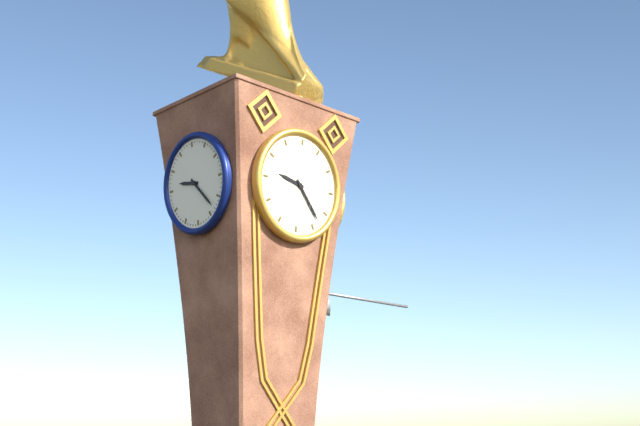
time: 9:23
